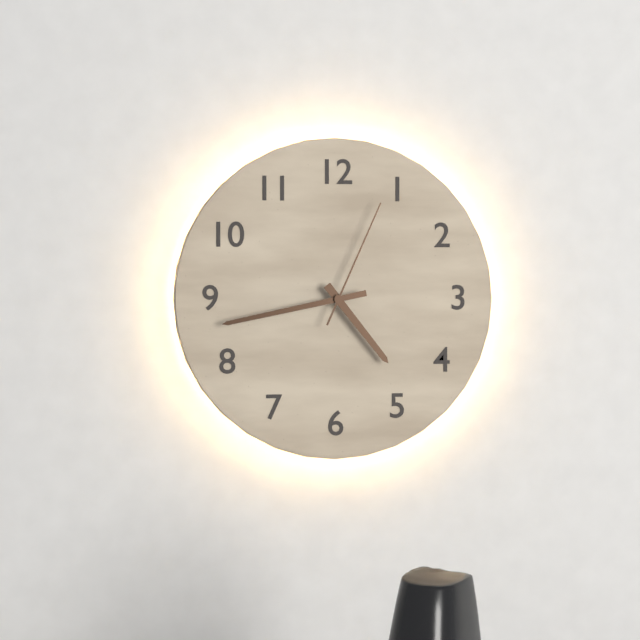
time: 4:43:04
